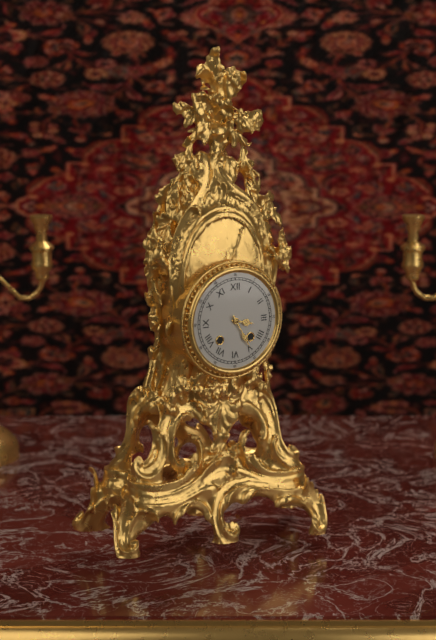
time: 3:25
